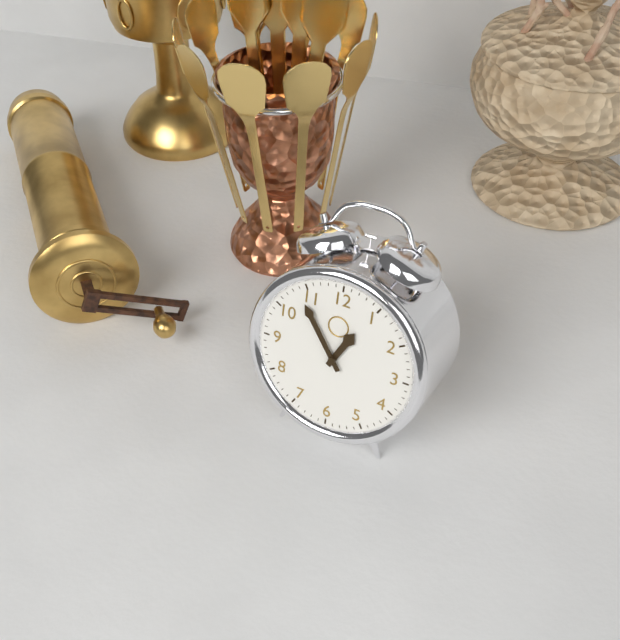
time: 12:54
